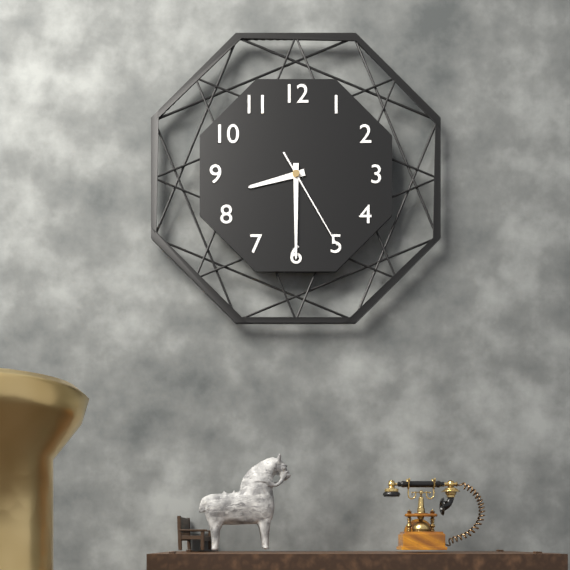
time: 8:30:25
